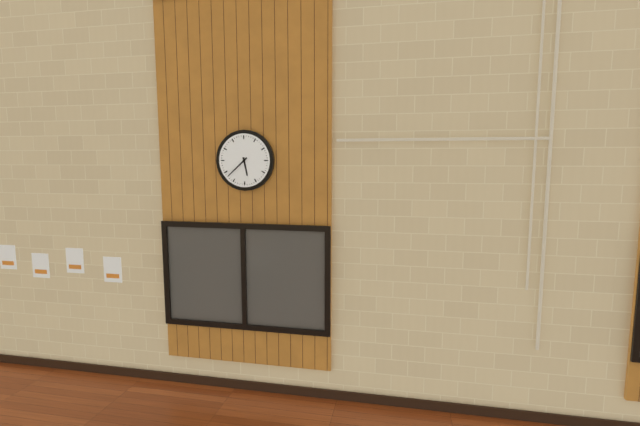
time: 5:38
